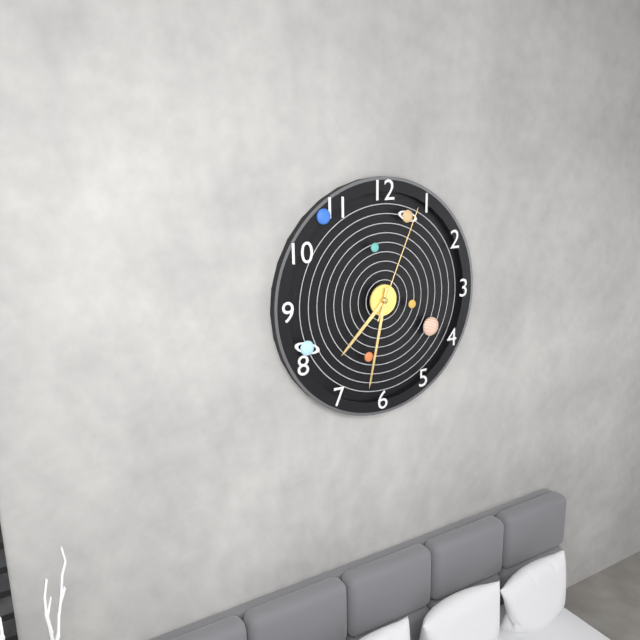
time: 7:32:04
